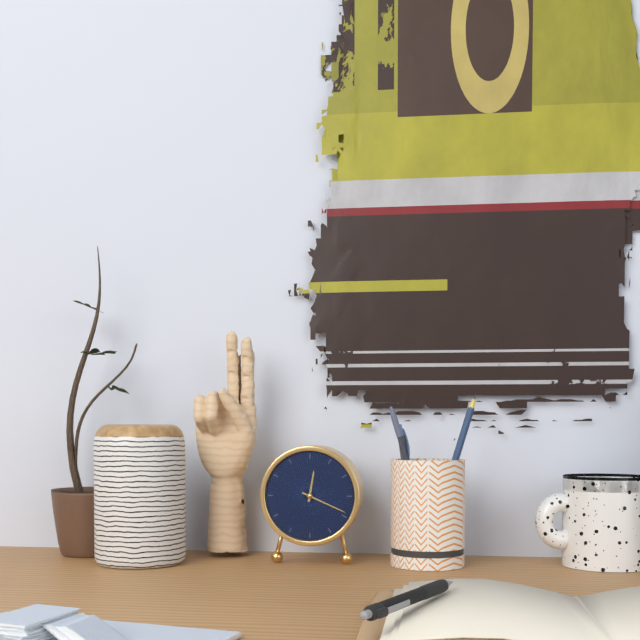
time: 12:19
